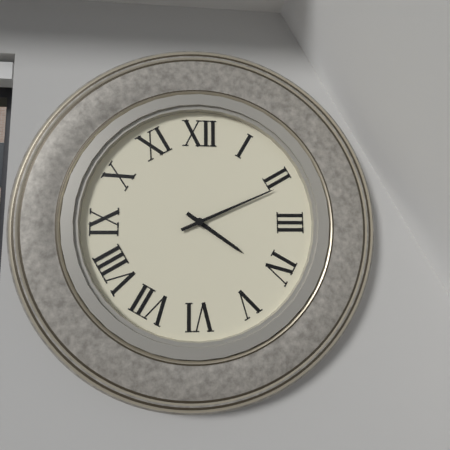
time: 4:11
